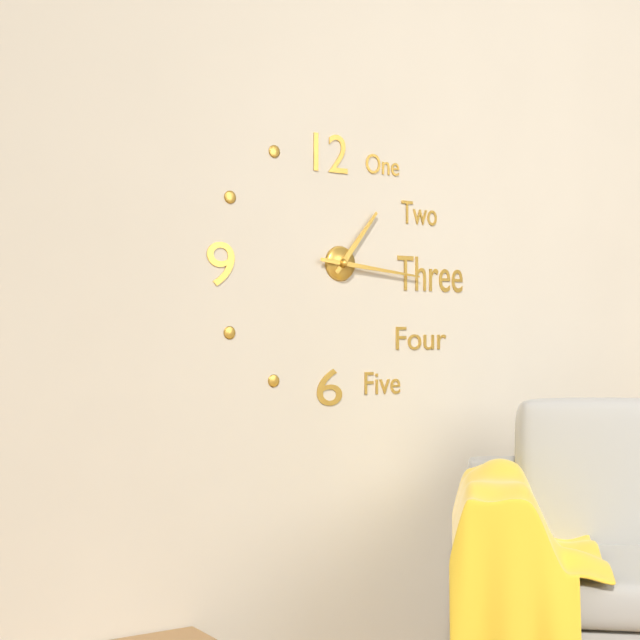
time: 1:16
